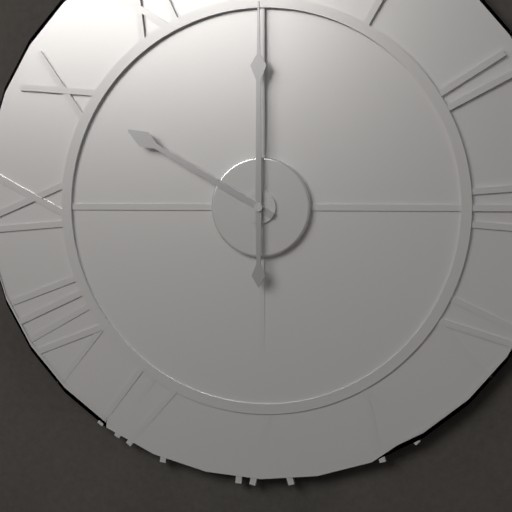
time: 10:00
